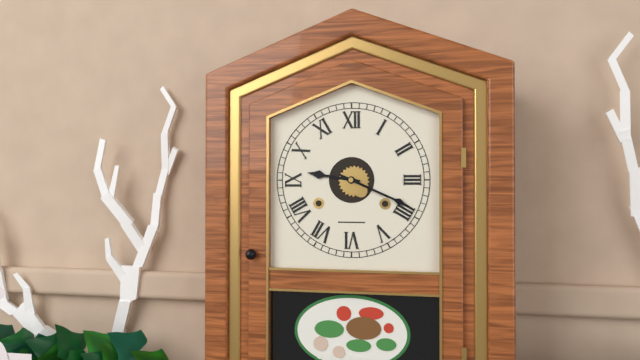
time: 9:19
